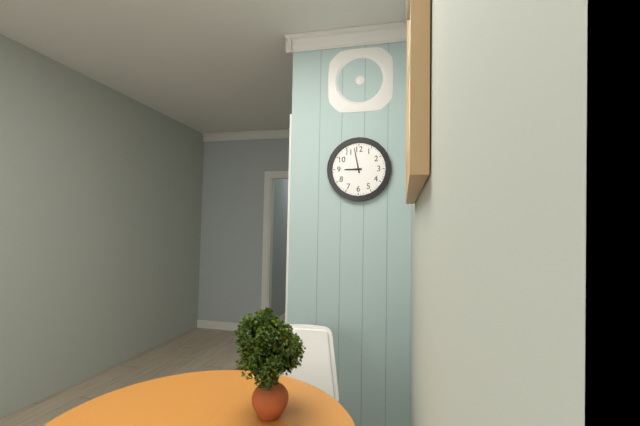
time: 8:58
